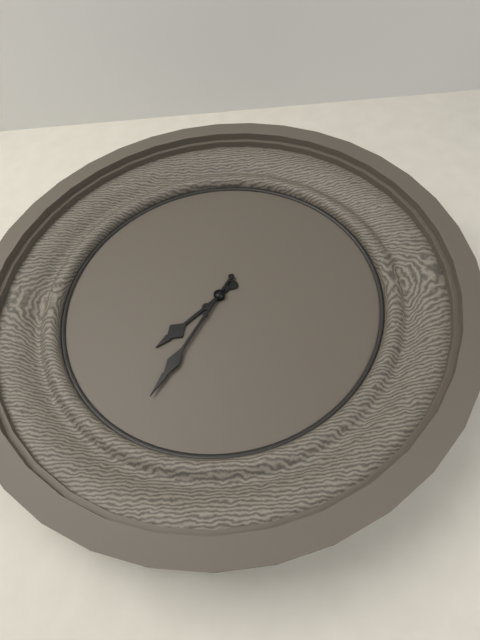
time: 7:35
